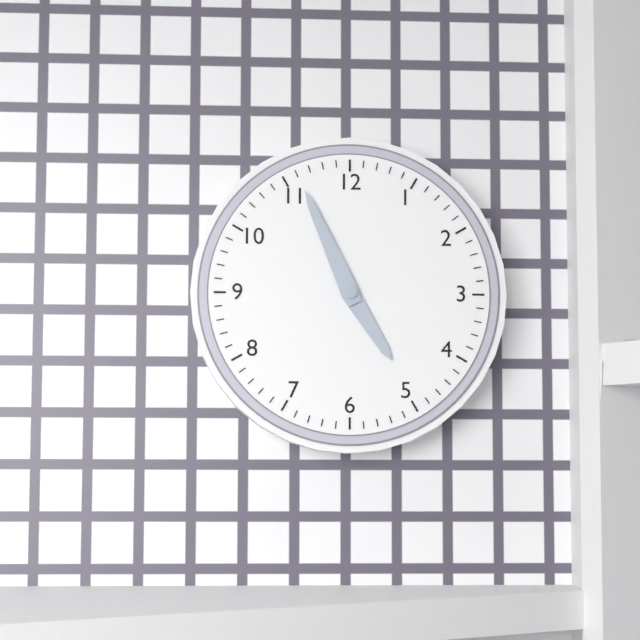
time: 4:56
